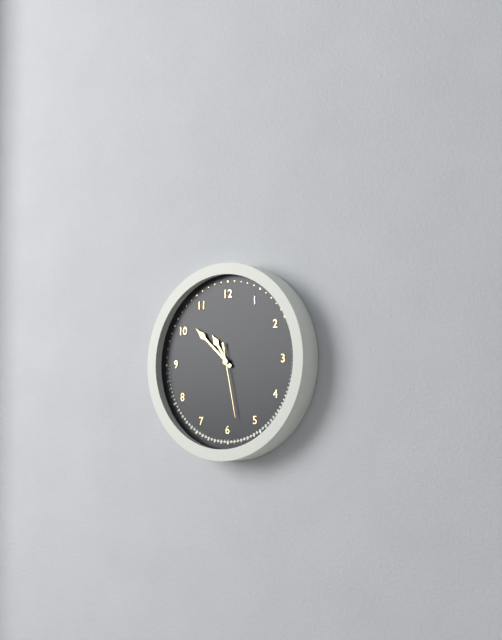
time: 10:52:28
